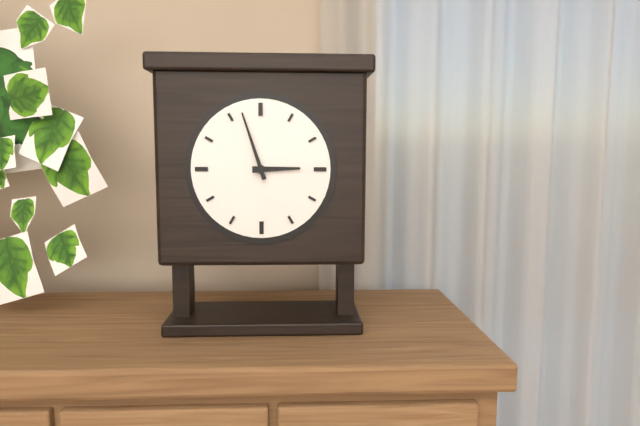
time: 2:57
